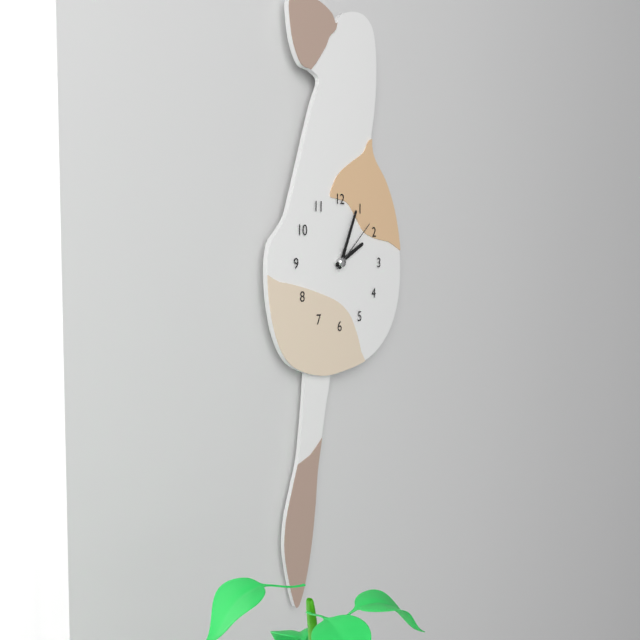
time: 2:04:08
